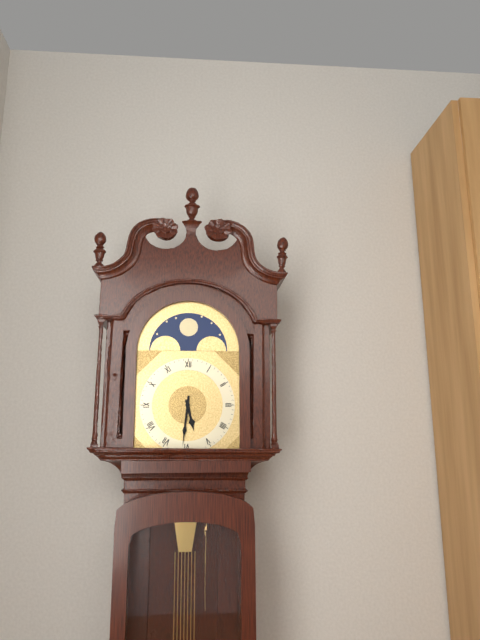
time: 5:31
